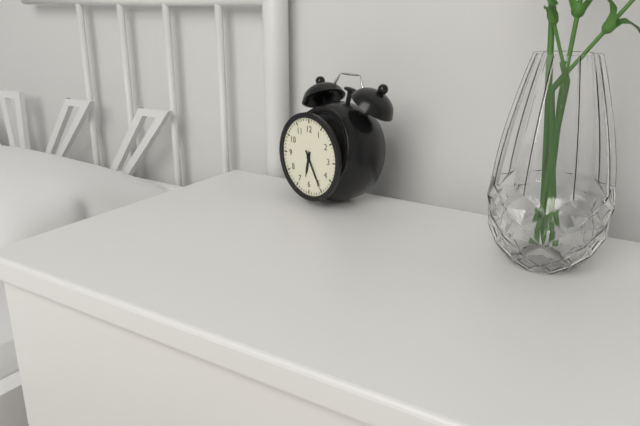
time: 6:25
